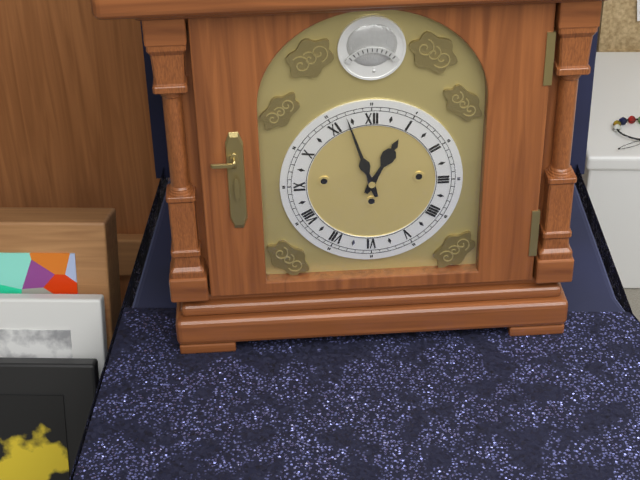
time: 12:57
